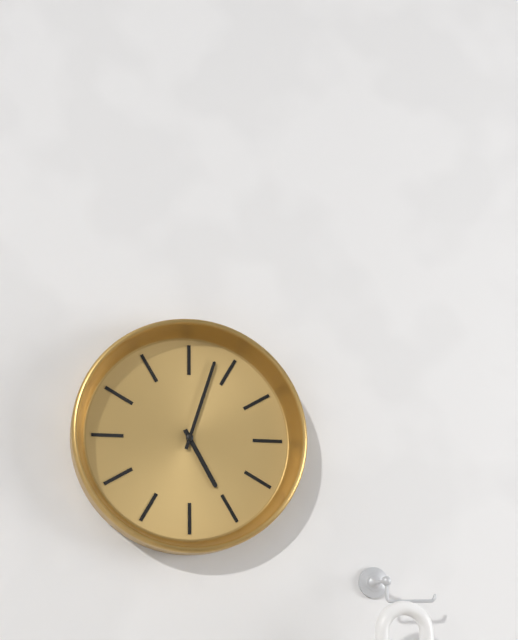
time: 5:03
